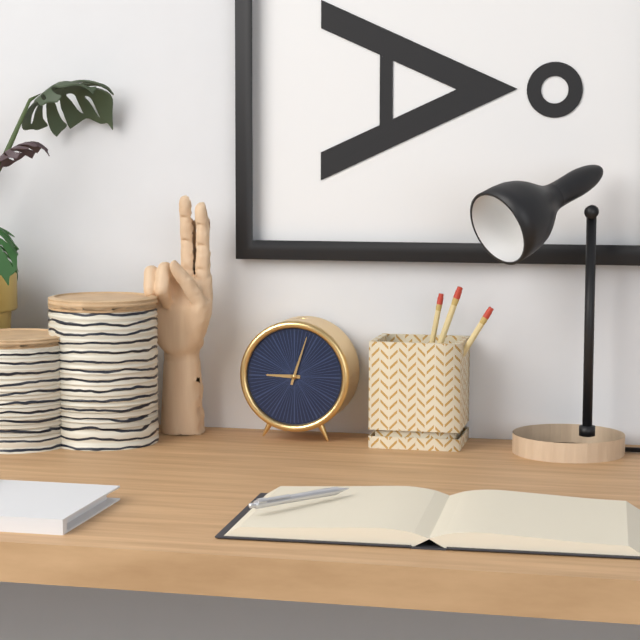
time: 9:03
